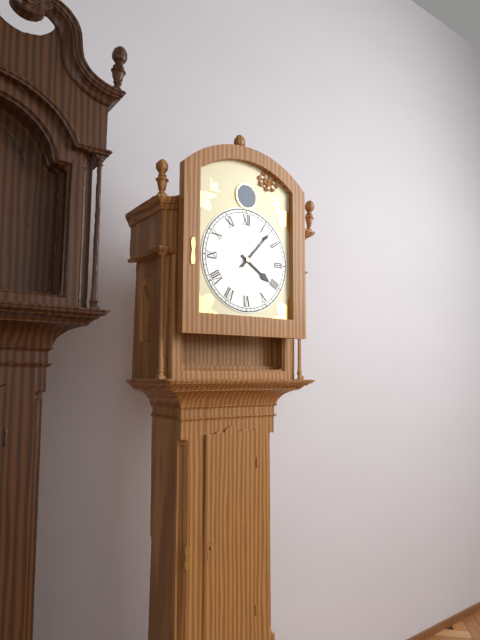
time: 4:07
